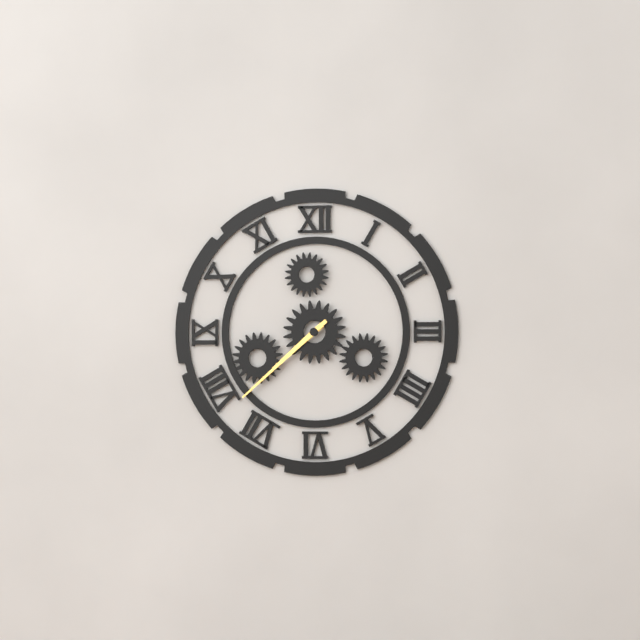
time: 7:38
